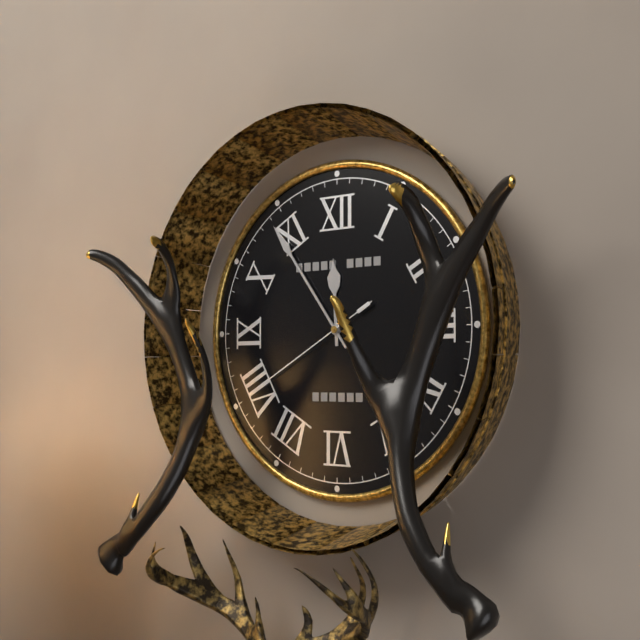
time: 11:54:40
